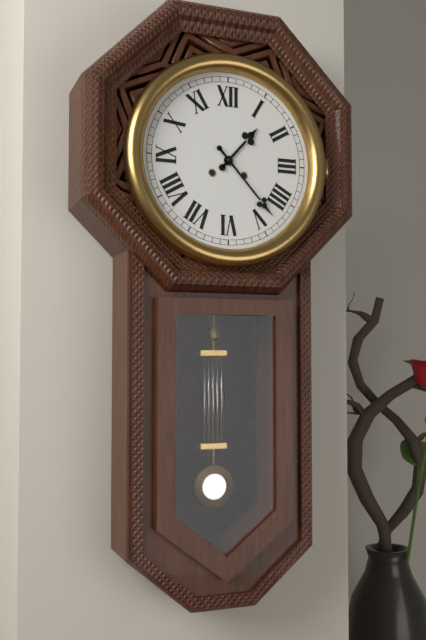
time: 1:23
